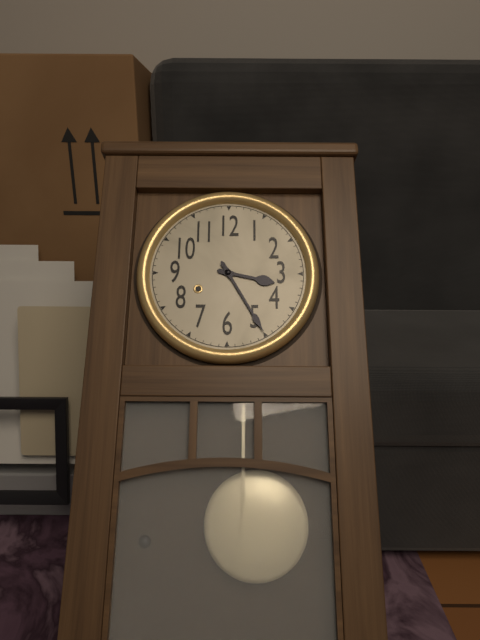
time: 3:25
